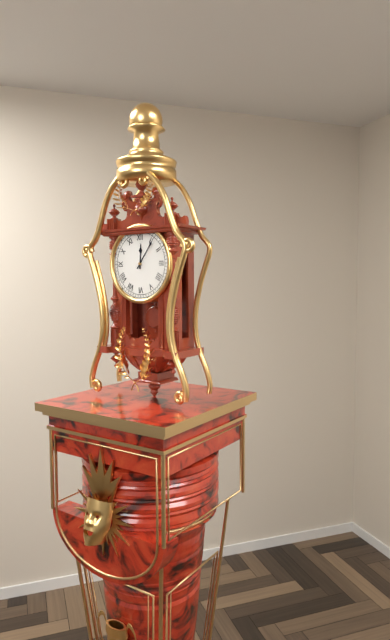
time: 12:06
